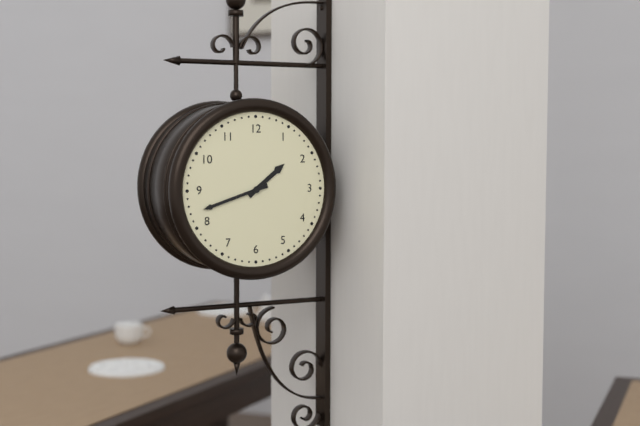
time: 1:42
